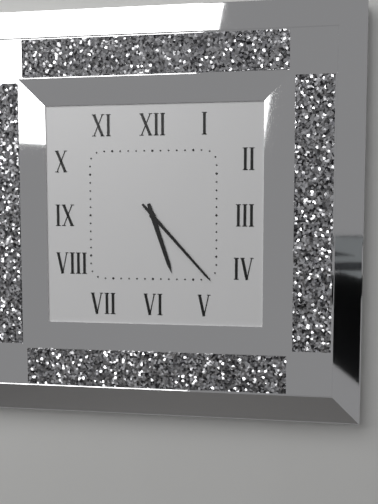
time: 5:23
